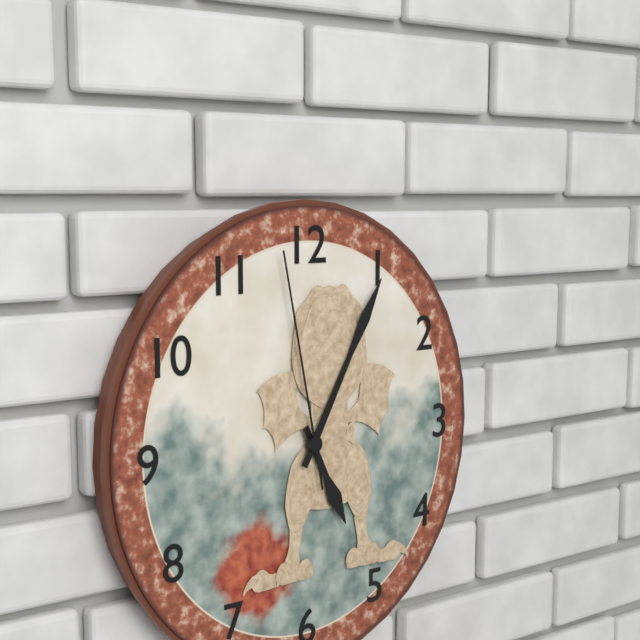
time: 5:05:58
